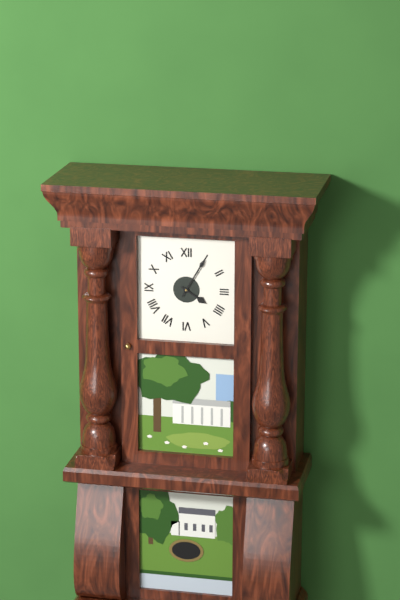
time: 4:05
